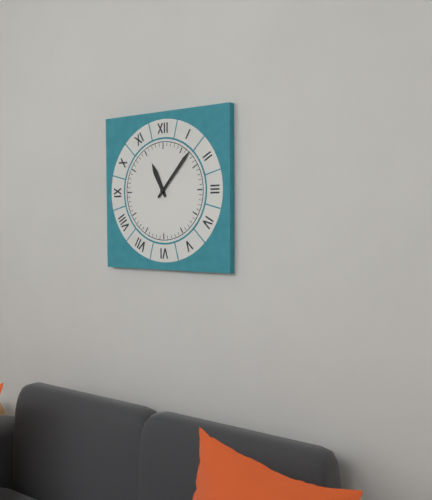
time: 11:07
